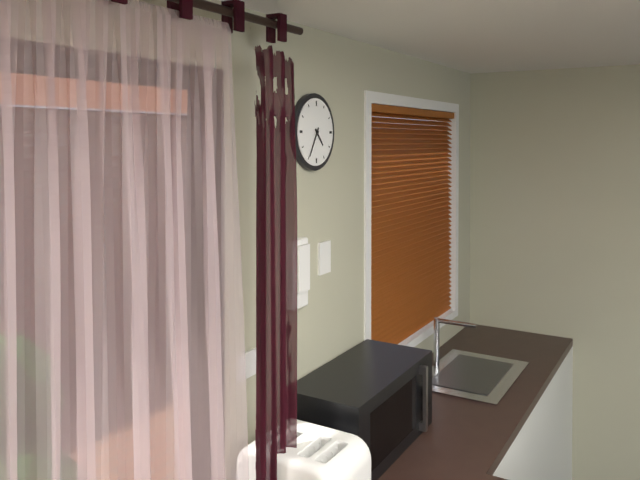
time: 4:35
